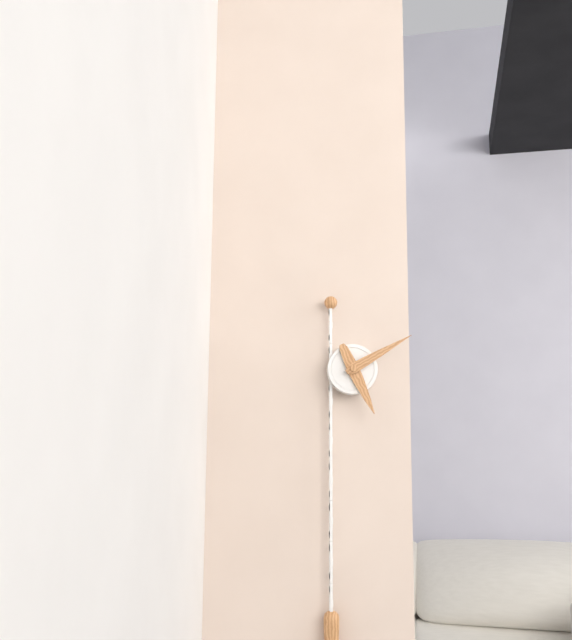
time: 5:10
